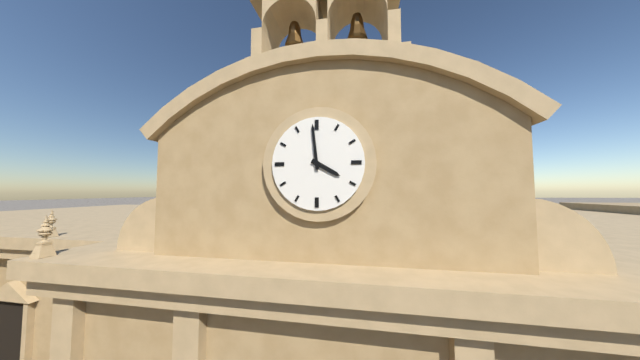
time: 3:59
